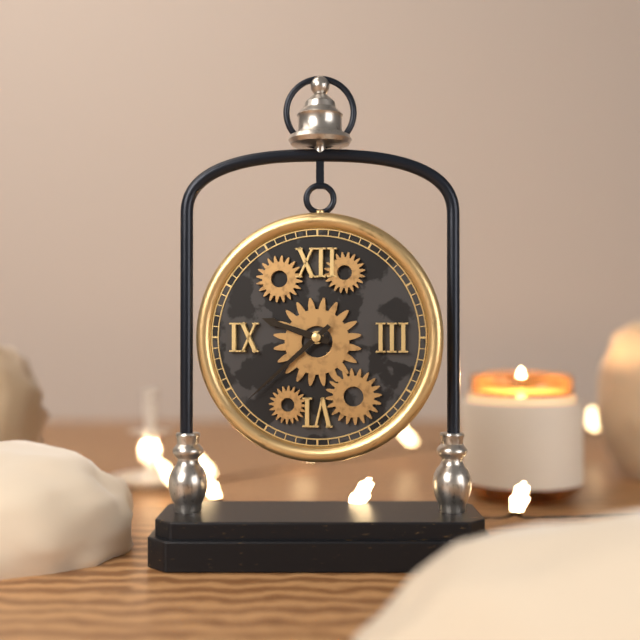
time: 9:38
